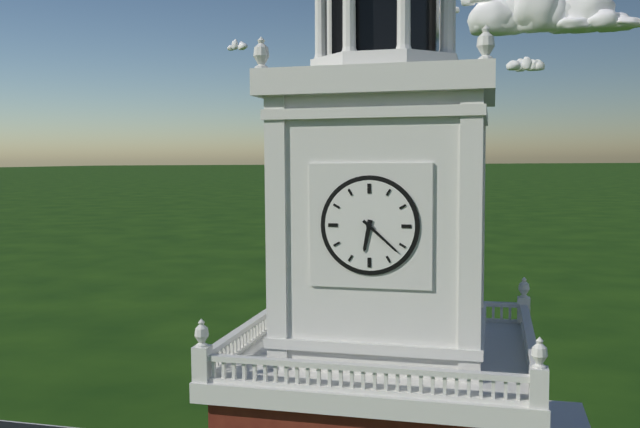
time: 6:22
